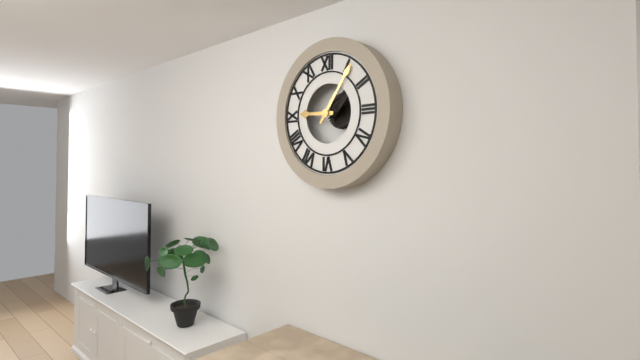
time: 9:06
